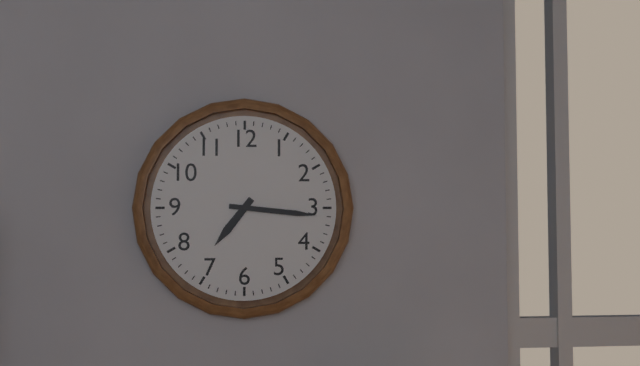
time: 7:16
